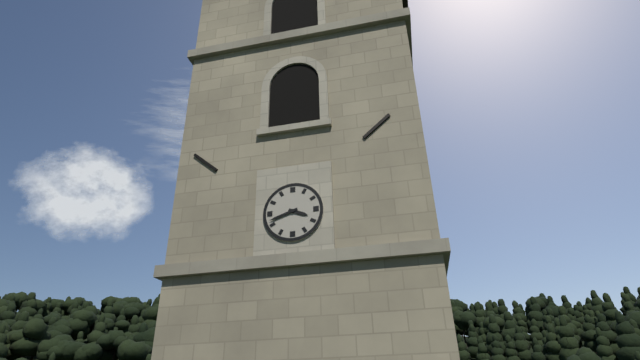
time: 3:42
